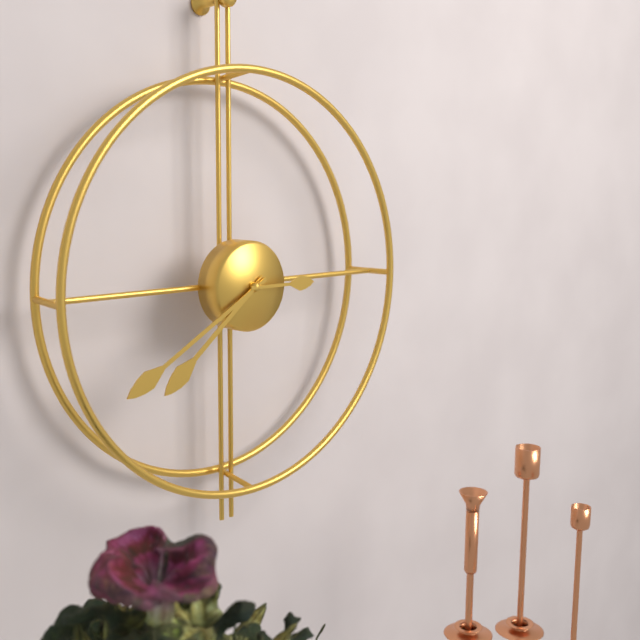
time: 7:40:15
